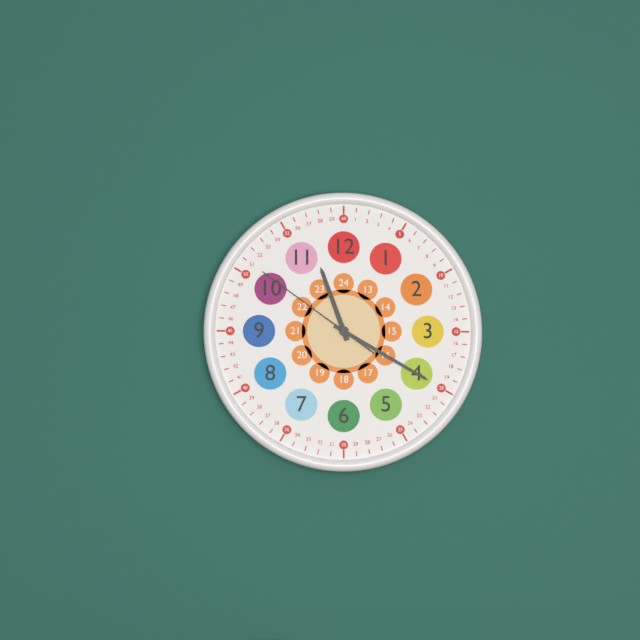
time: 11:20:51
